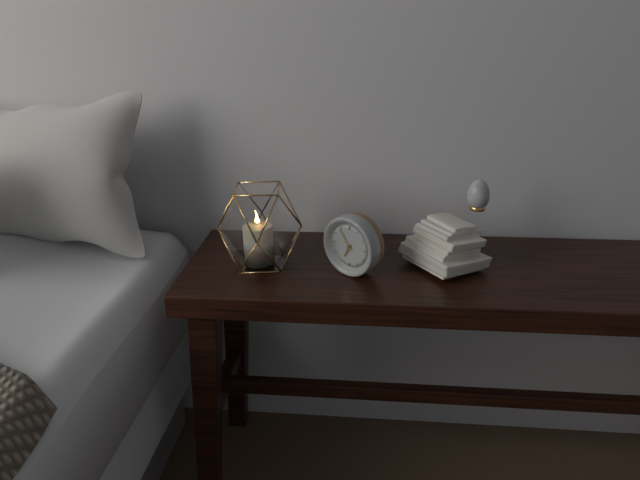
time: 6:54
